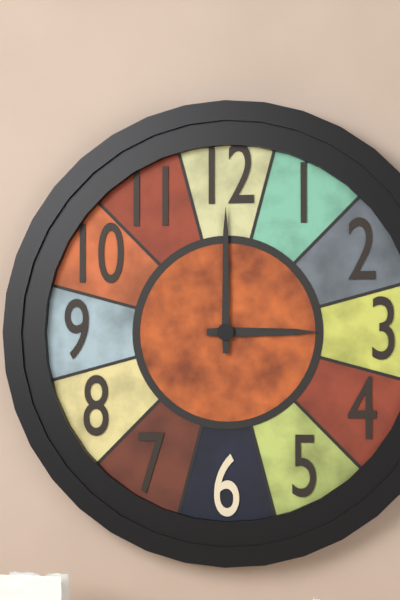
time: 3:00
